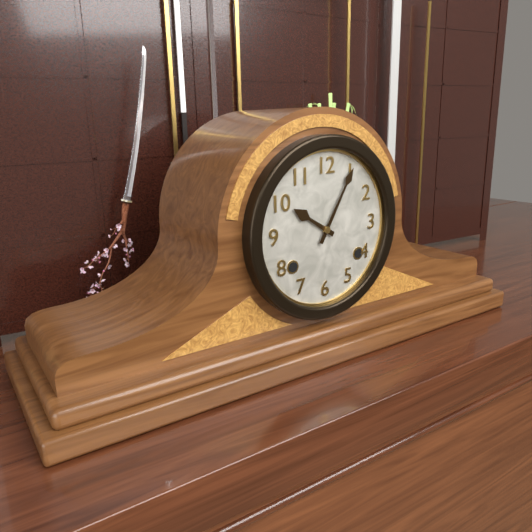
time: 10:05
